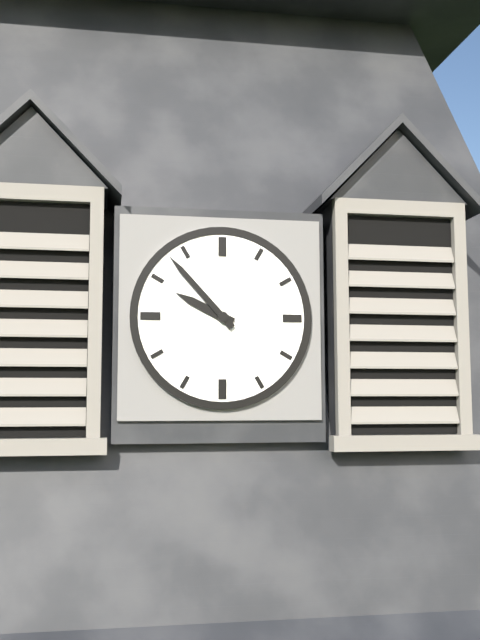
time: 9:53
